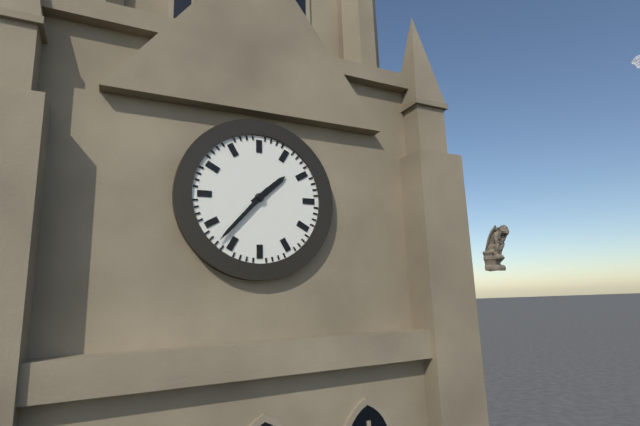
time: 1:37
